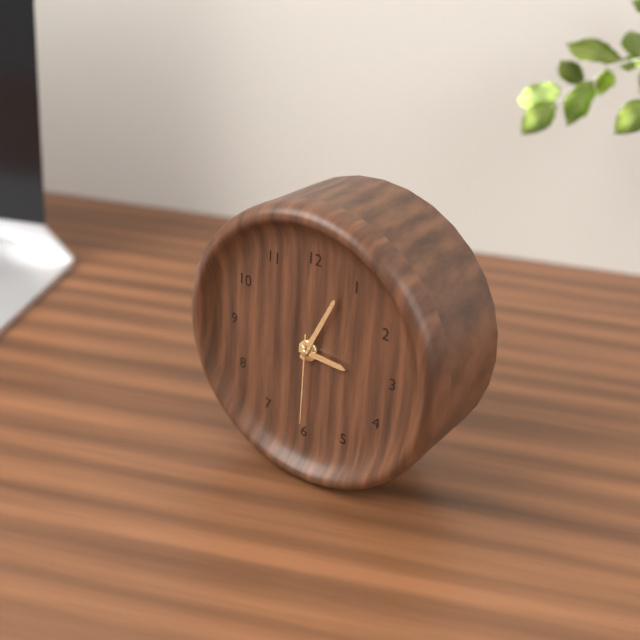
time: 3:04:30
